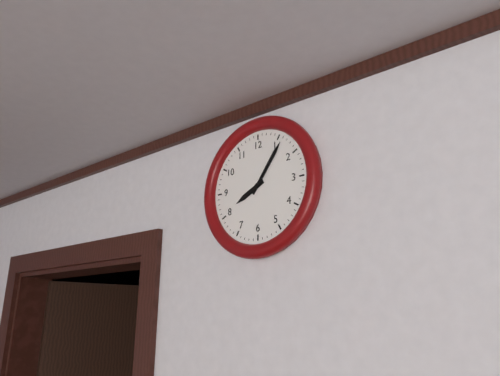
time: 8:06
